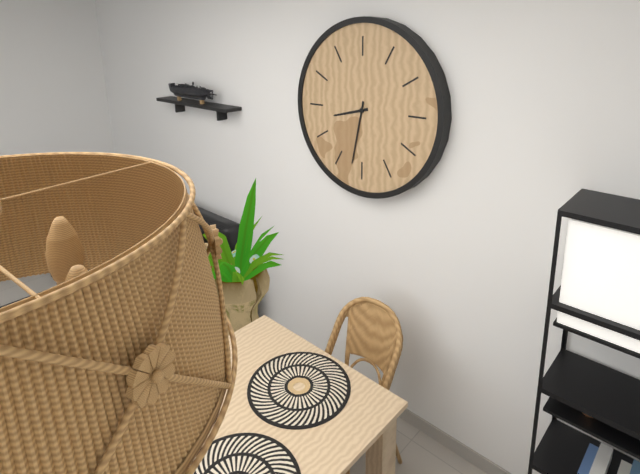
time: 8:32
